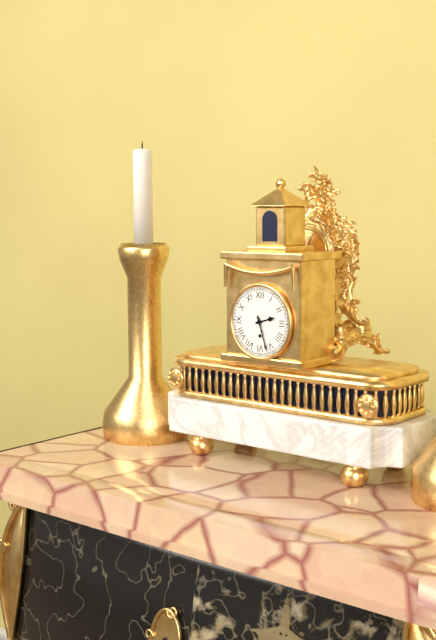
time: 2:27
